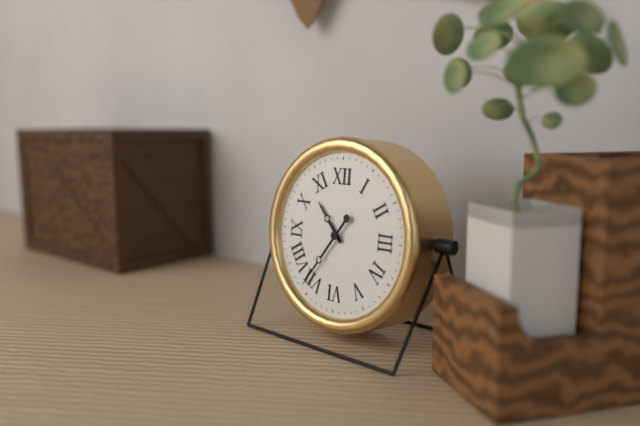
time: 10:36
